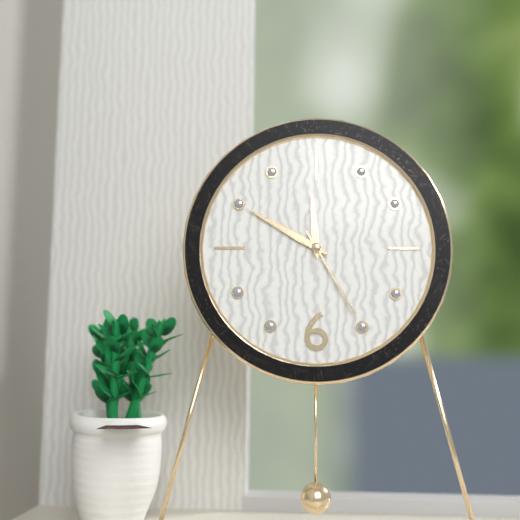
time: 11:50:25
